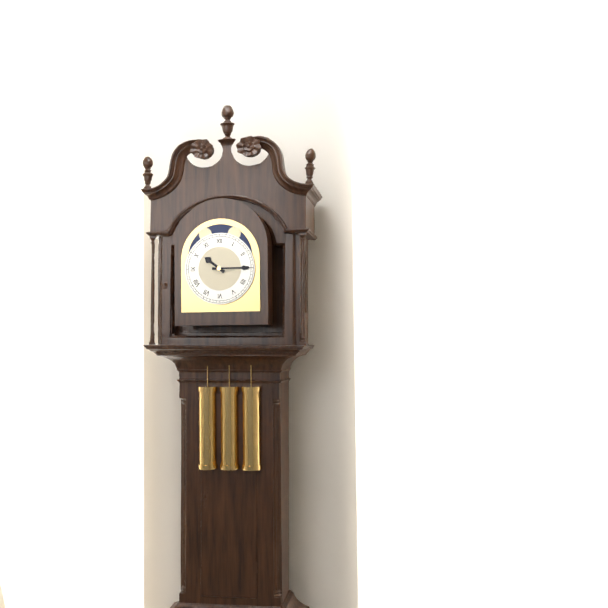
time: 10:15
